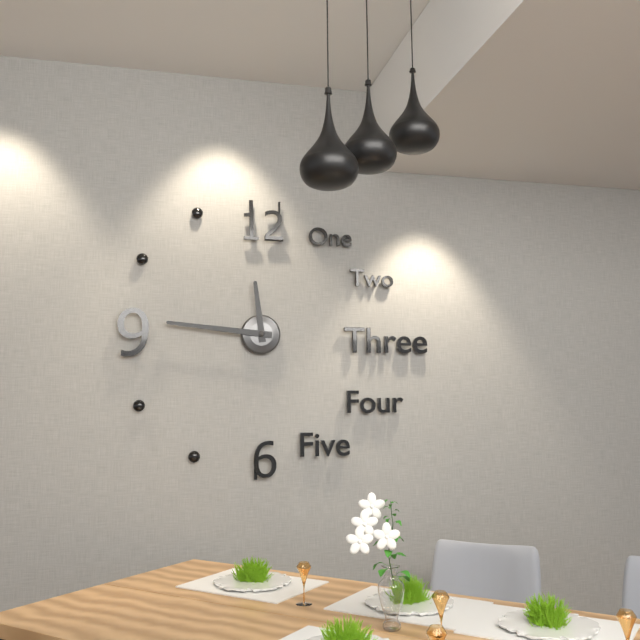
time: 11:46
